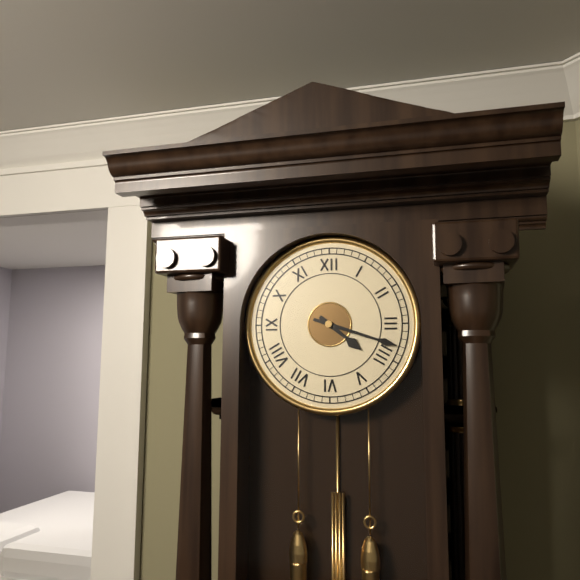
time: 4:18
